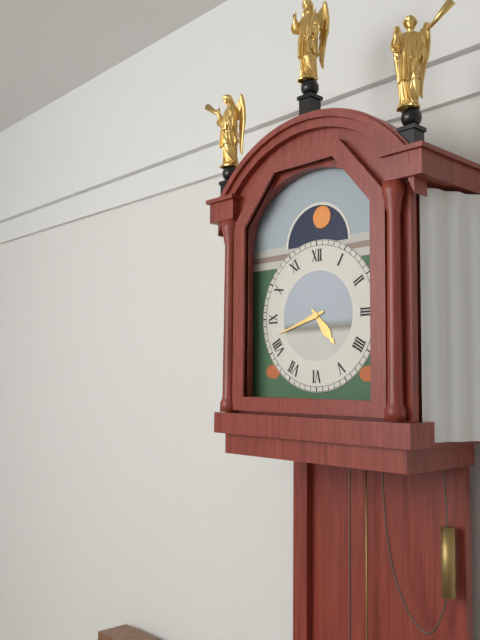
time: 4:42
